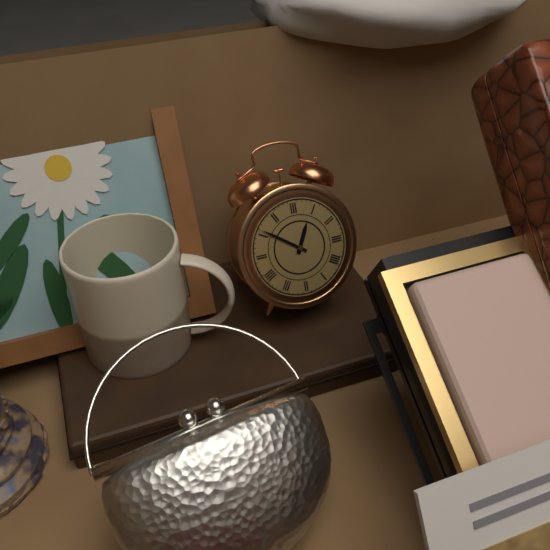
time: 12:51
